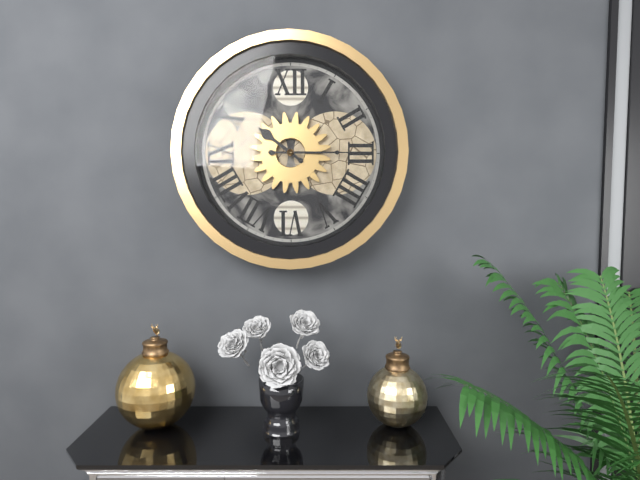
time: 10:15
